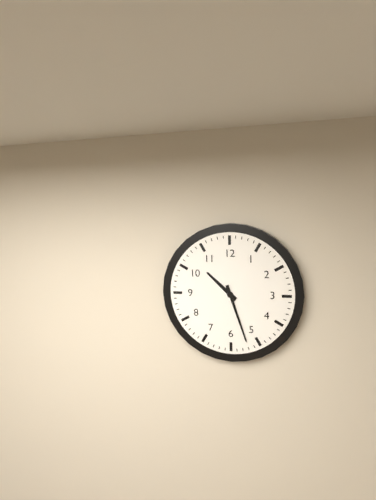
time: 10:27
